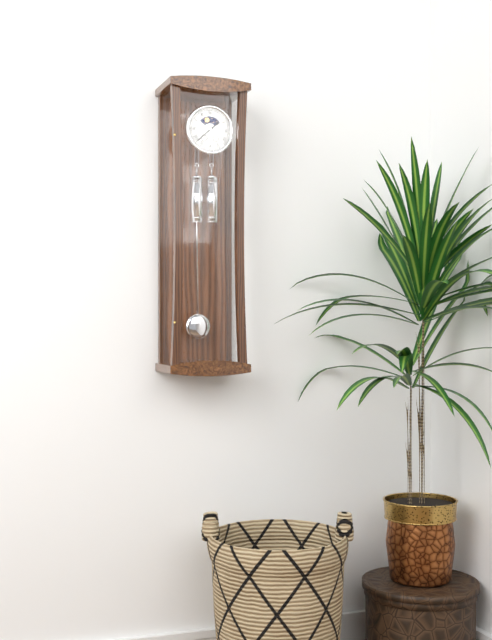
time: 1:38
